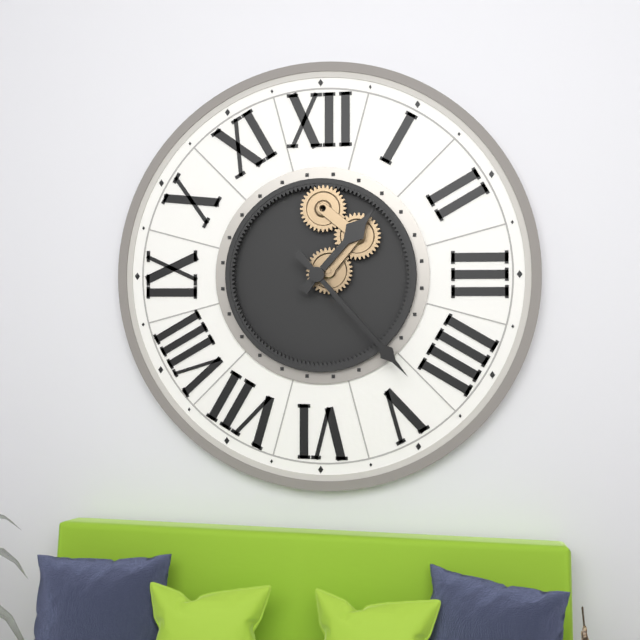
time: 1:23
